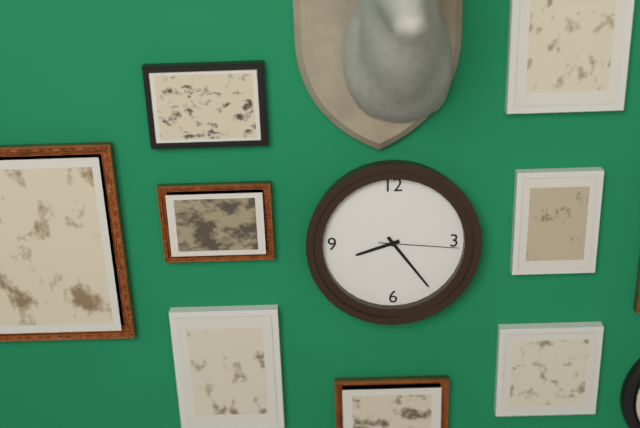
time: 8:24:16
